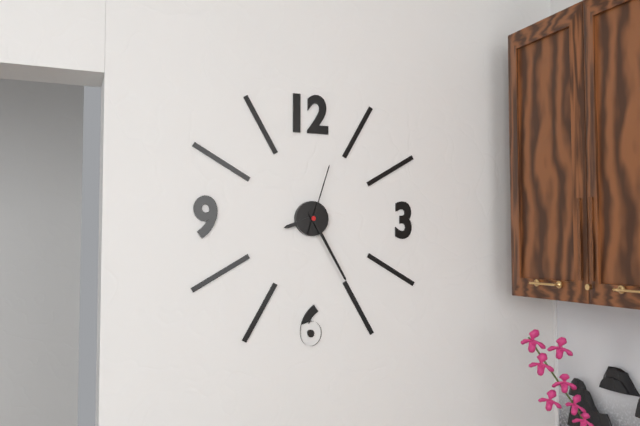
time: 8:25:03
